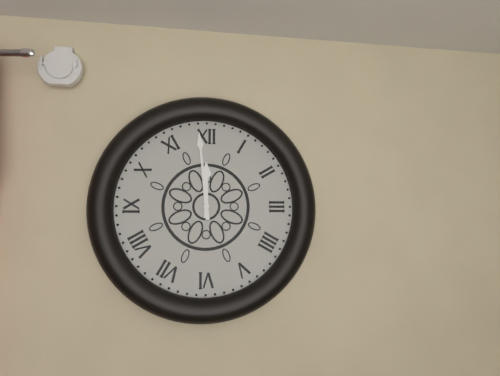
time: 11:59
